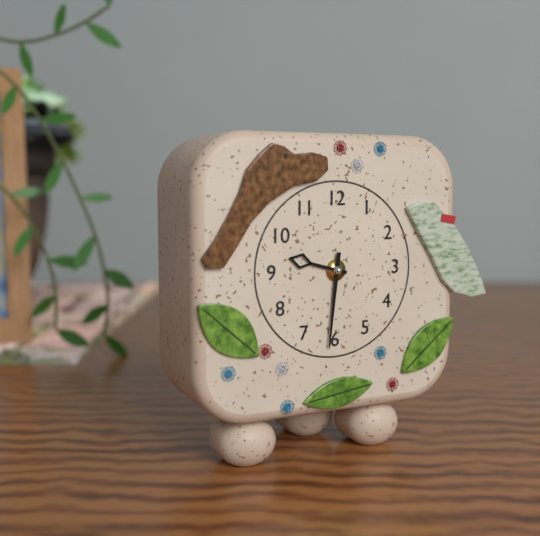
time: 9:31
